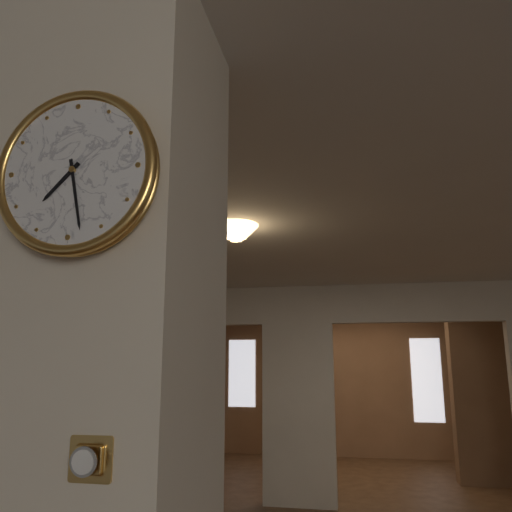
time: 7:28
